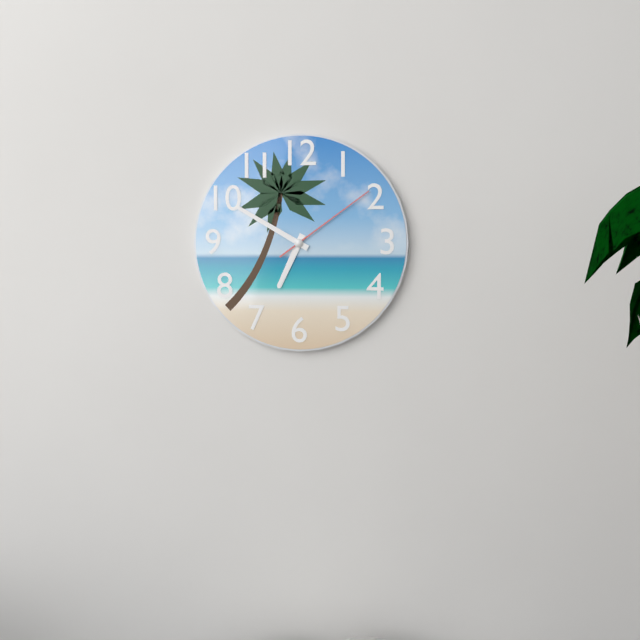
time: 6:50:09
